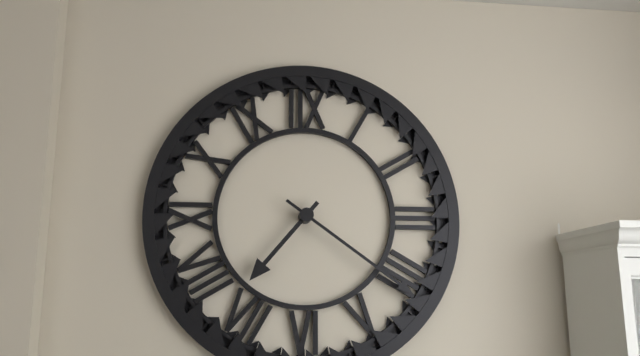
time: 7:21
